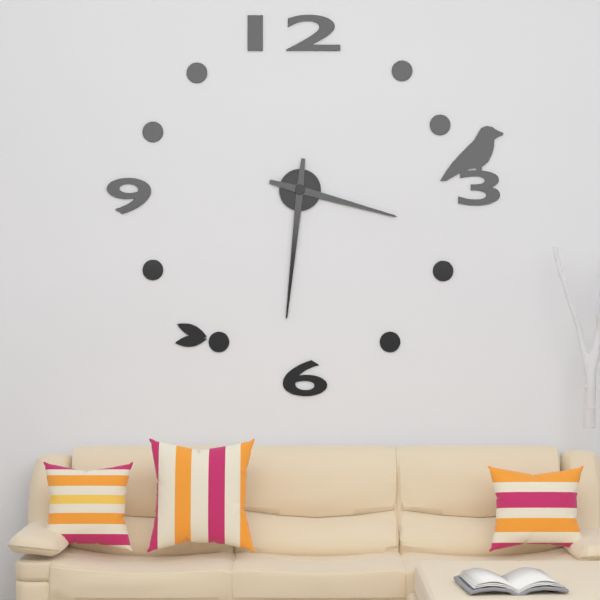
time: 3:31
